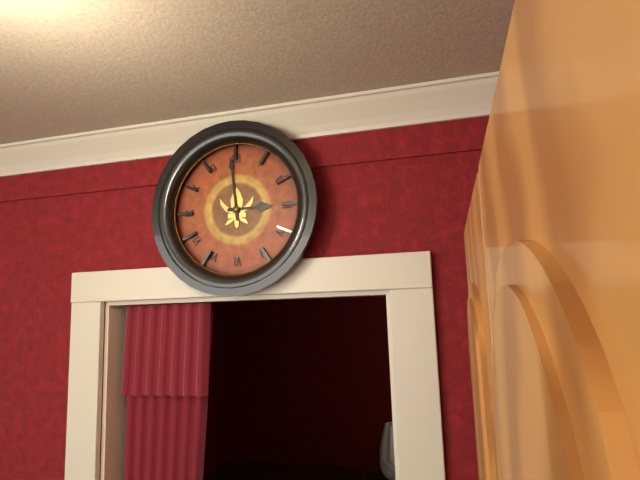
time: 2:59
